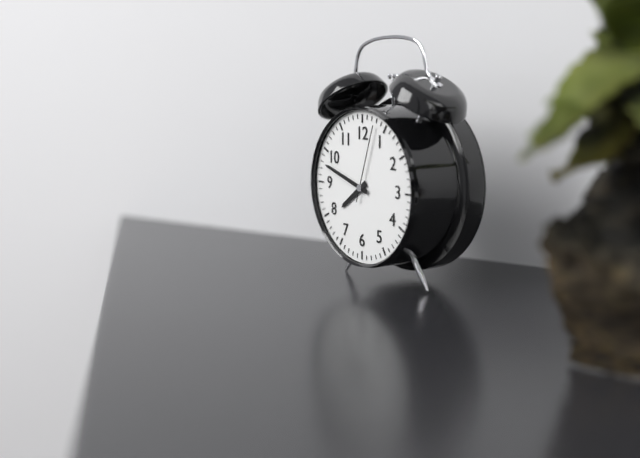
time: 7:48:03
